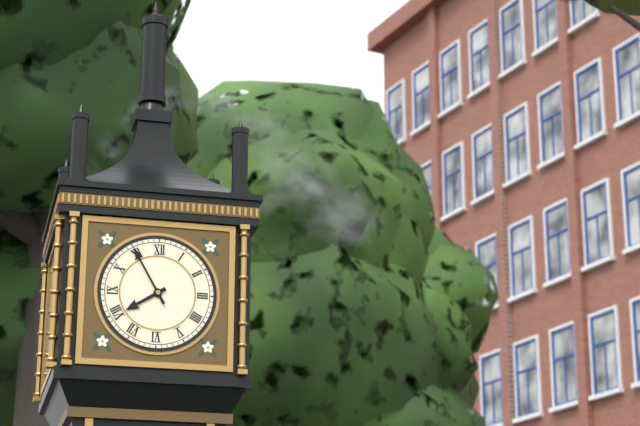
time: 7:55
